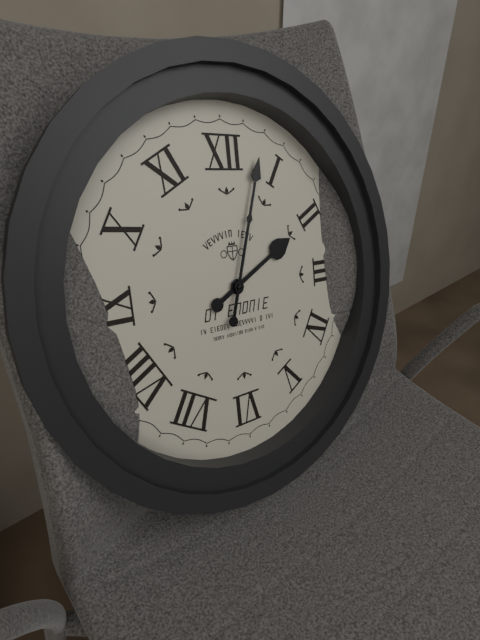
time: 2:03
